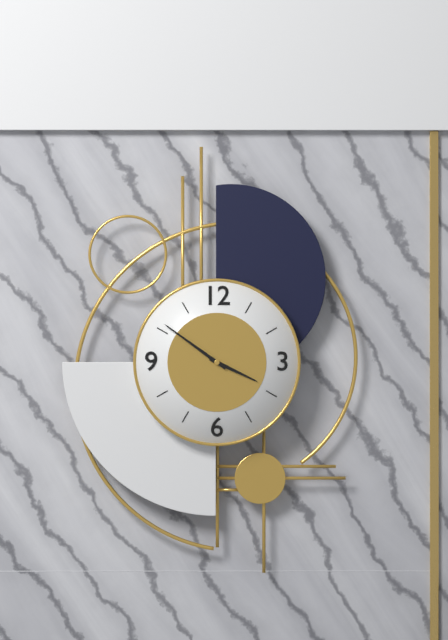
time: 3:51
